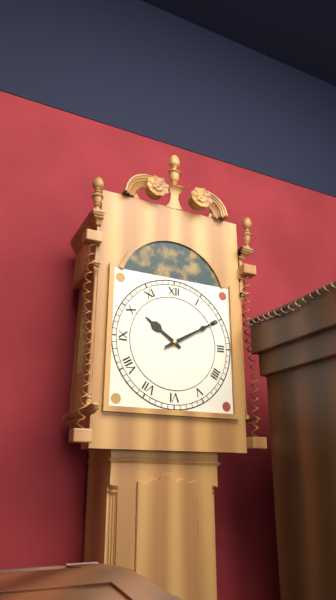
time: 10:10
